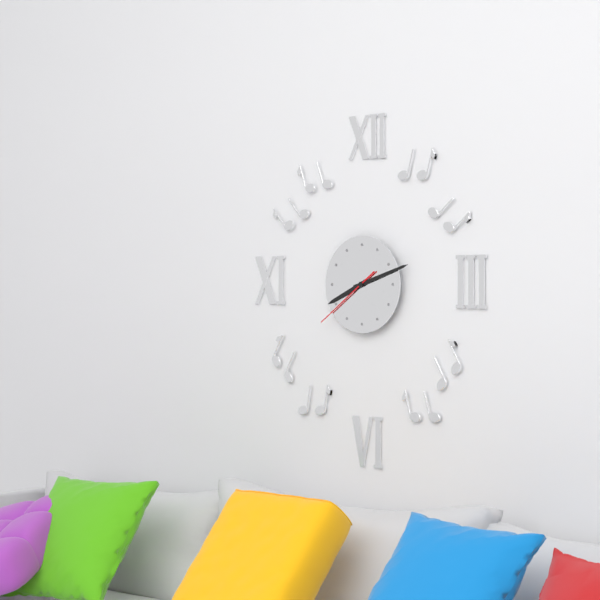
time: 8:12:39
